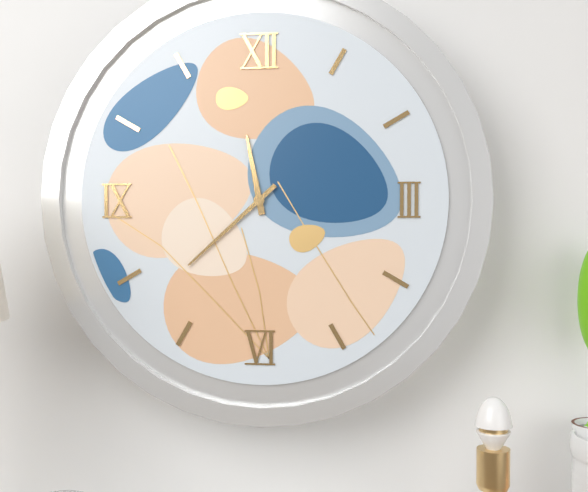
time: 11:38
